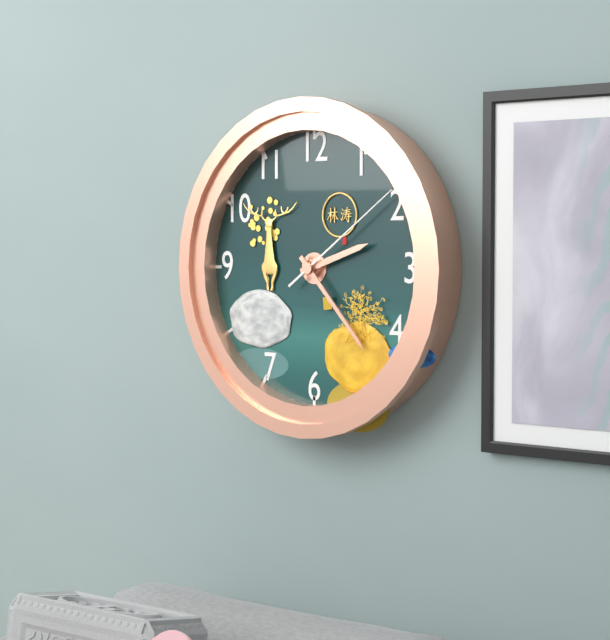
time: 2:23:09
